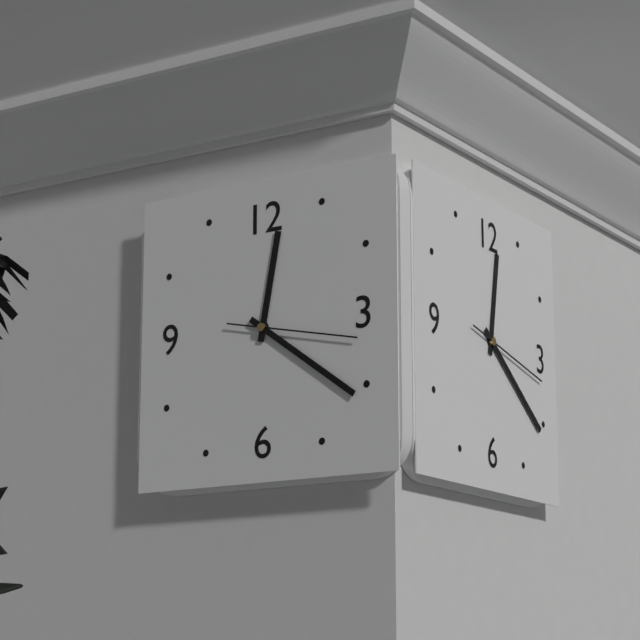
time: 12:21:17
